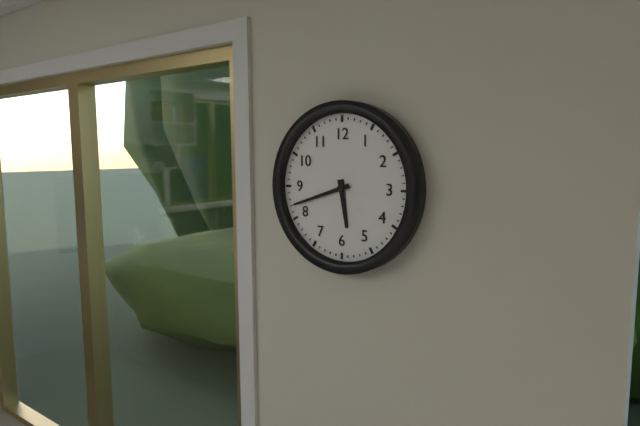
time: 5:42
